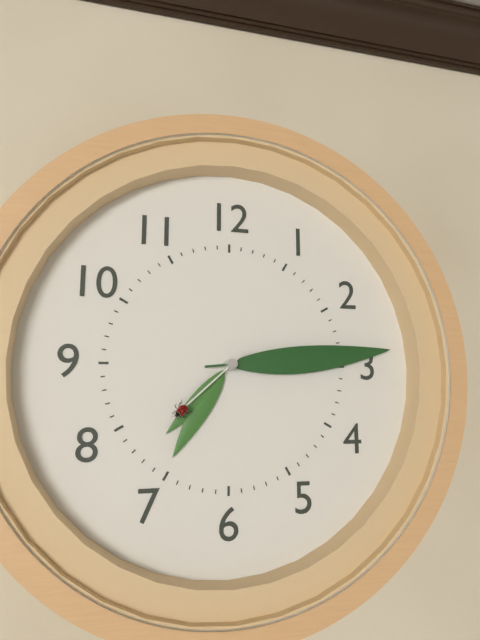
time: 7:14:38
